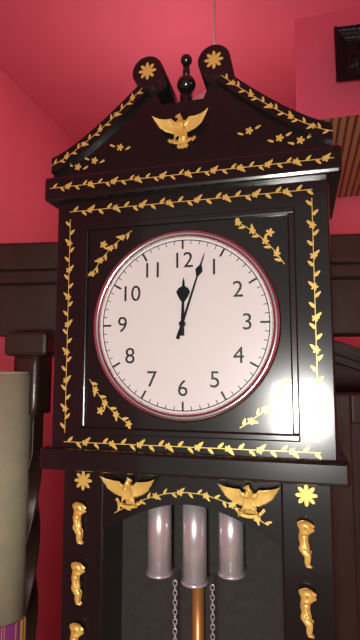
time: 12:03
